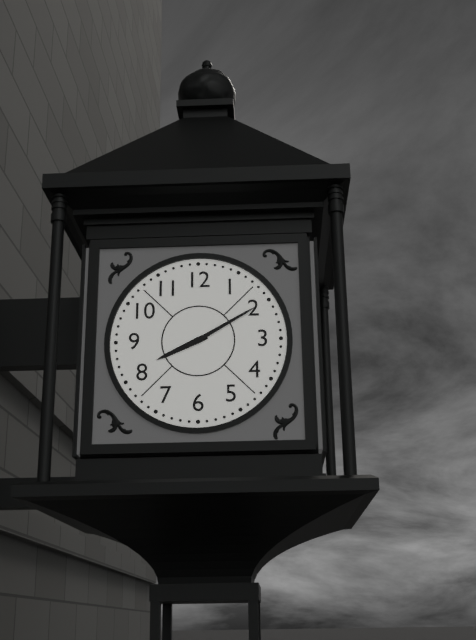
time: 8:10
